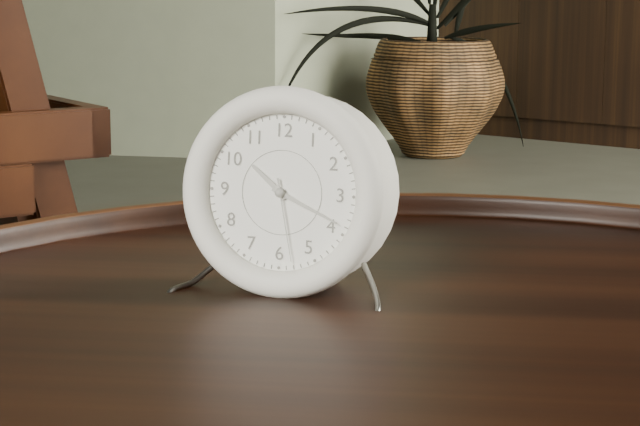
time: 10:19:28
